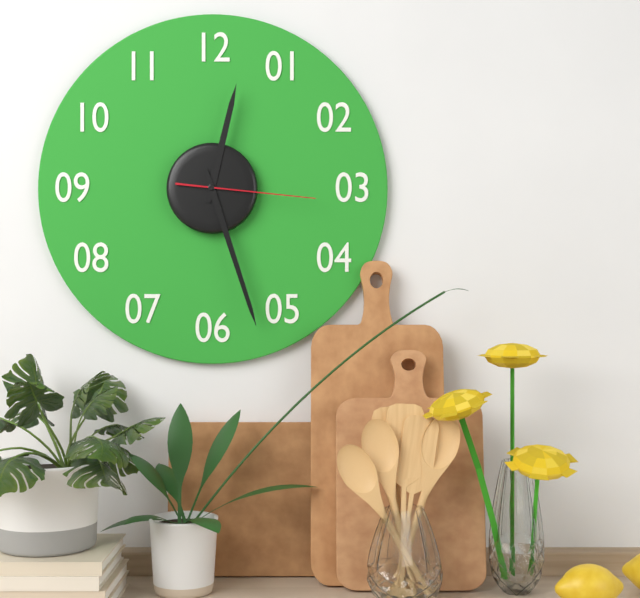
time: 12:27:16
